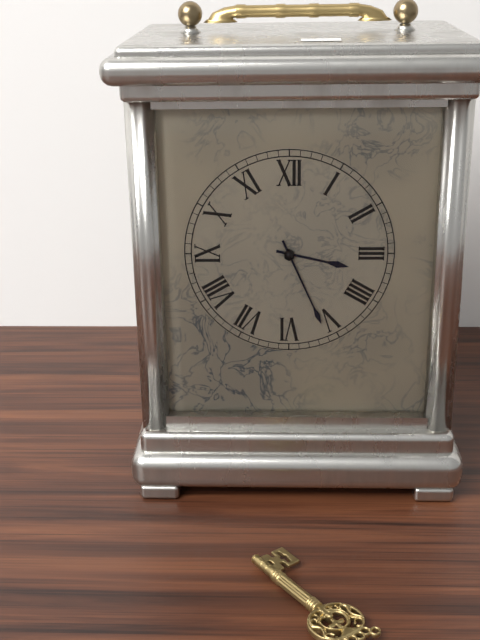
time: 3:26
